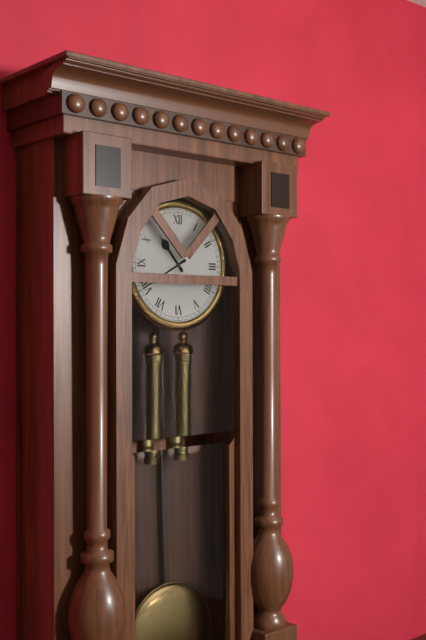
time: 10:40
